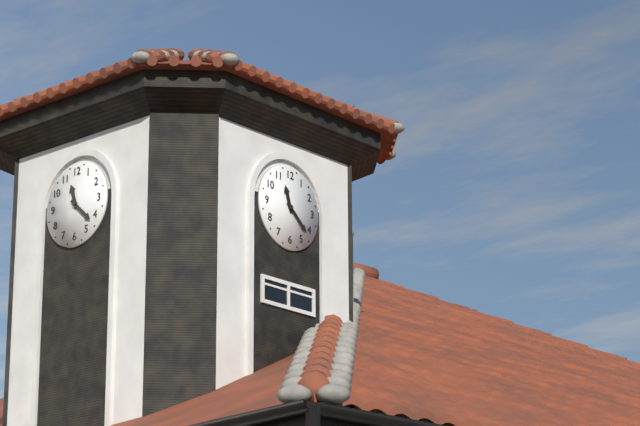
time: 11:22
